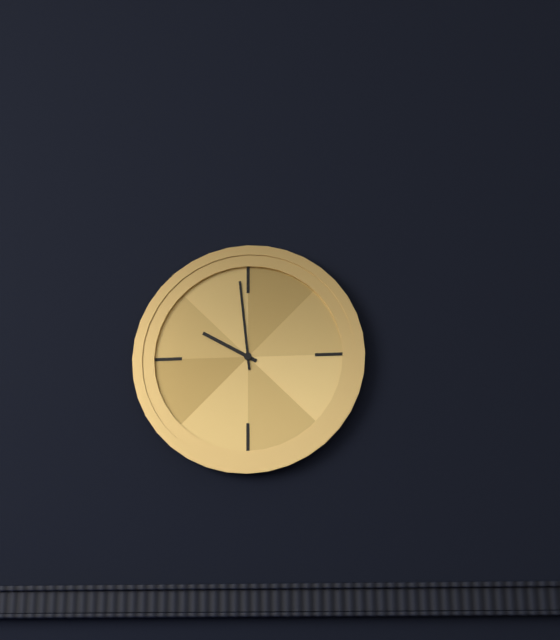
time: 9:59
